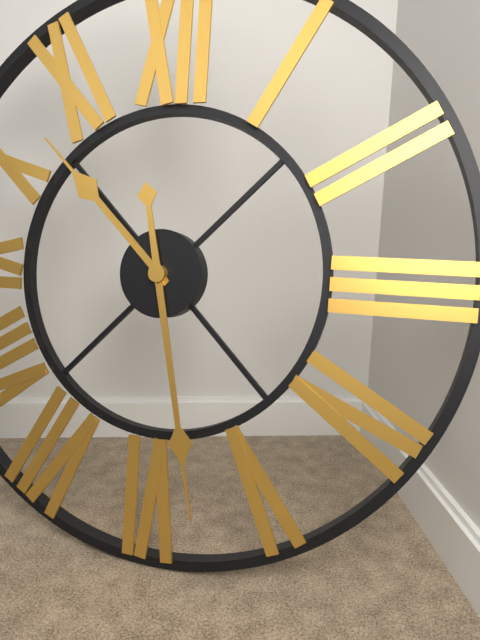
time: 10:28
